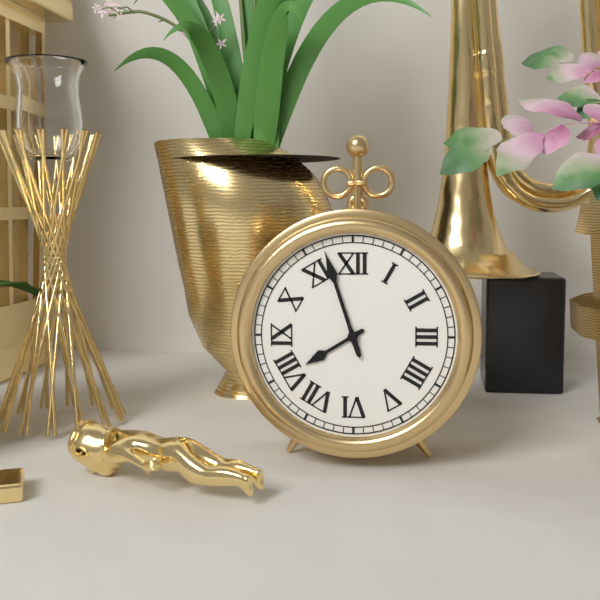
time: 7:57
